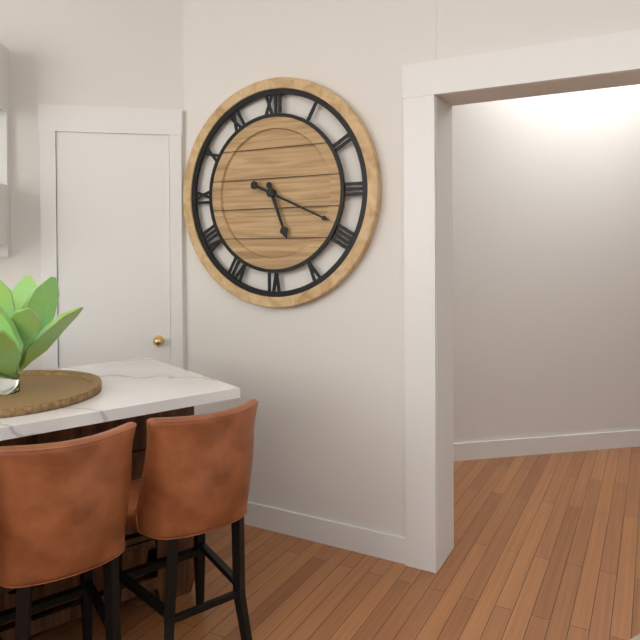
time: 5:19
